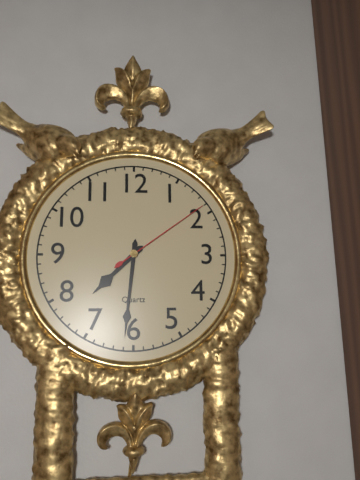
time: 7:31:09
